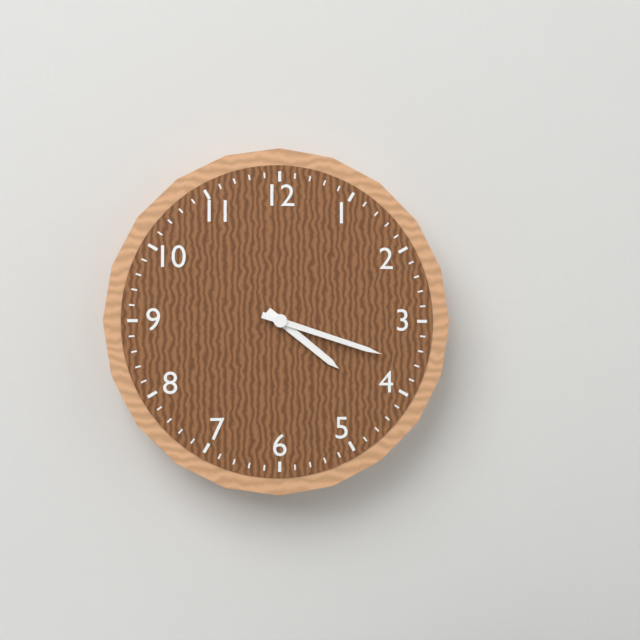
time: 4:18
